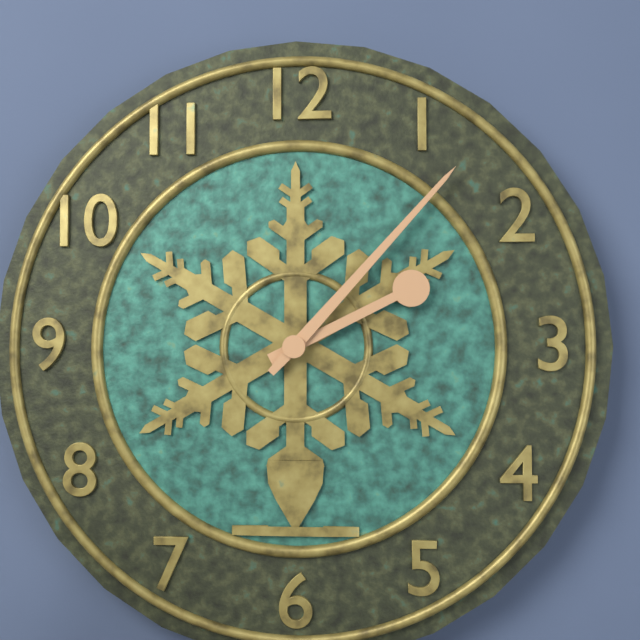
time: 2:07
